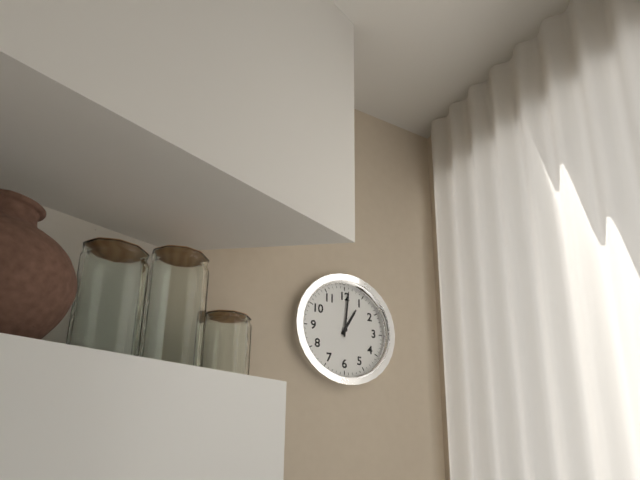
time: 1:01
